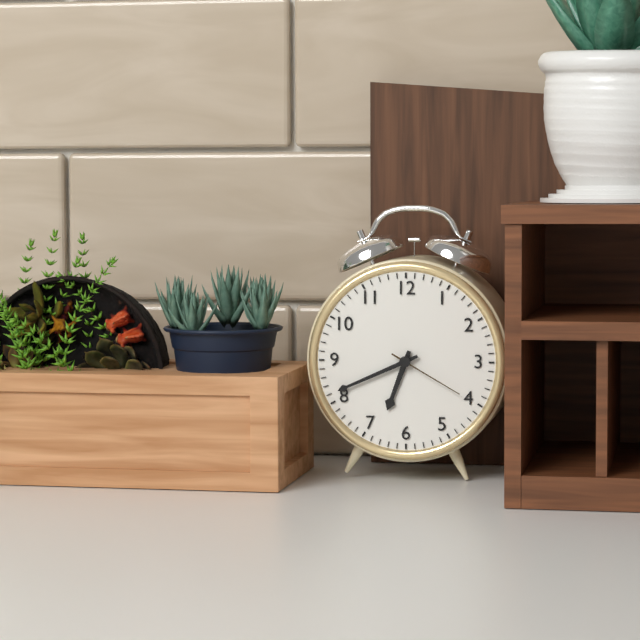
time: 6:41:20
